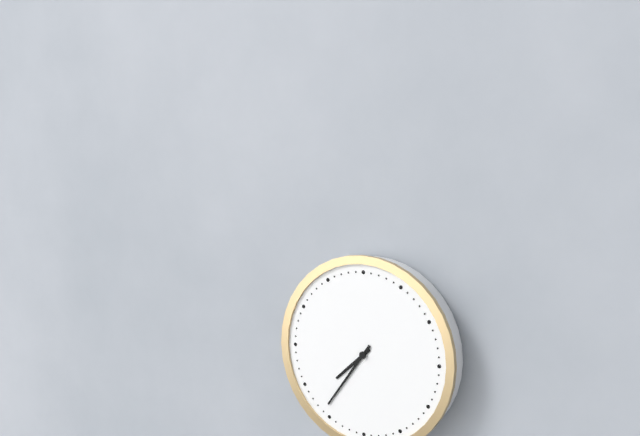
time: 7:36
